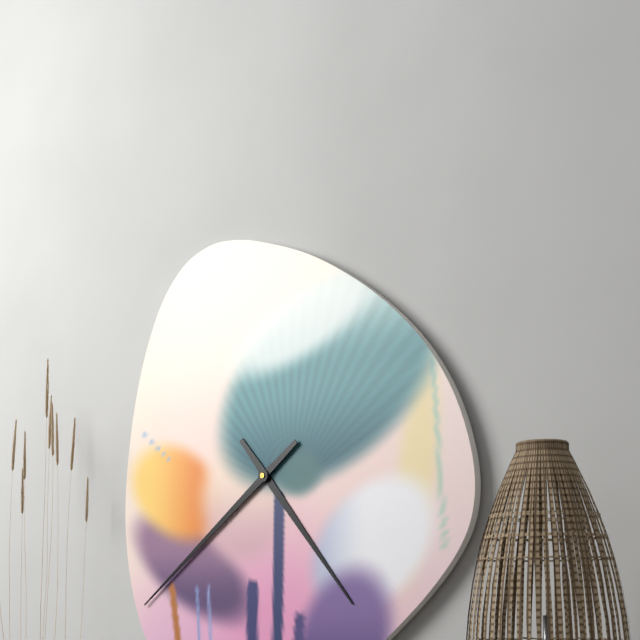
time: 4:39
